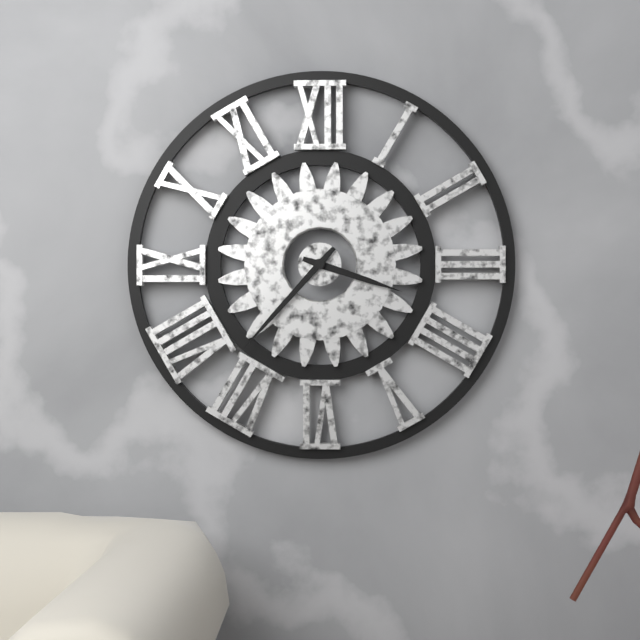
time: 3:37
